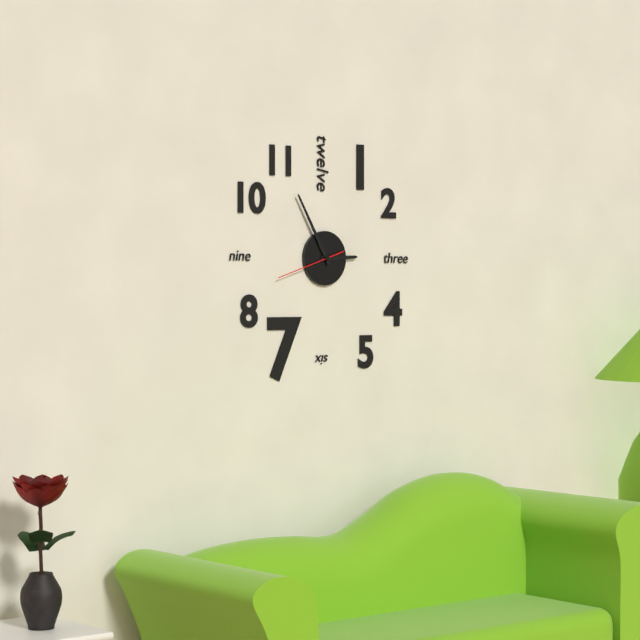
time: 2:55:42
